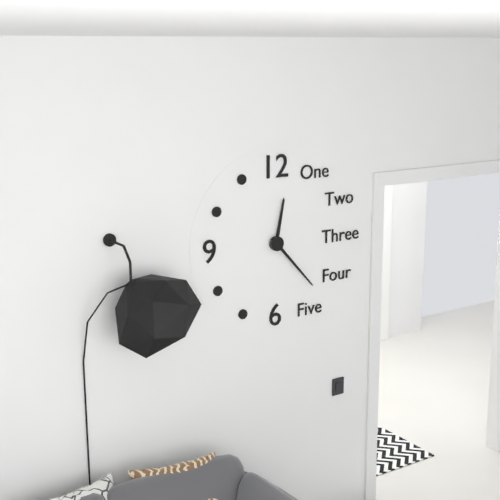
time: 12:23
